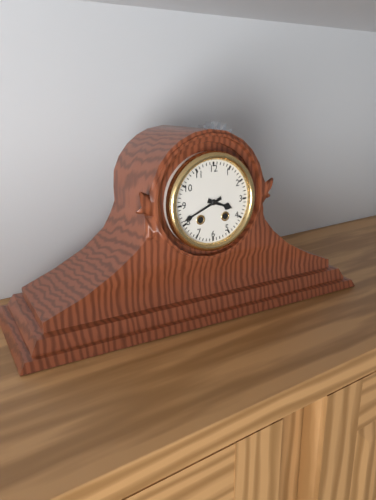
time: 3:41
